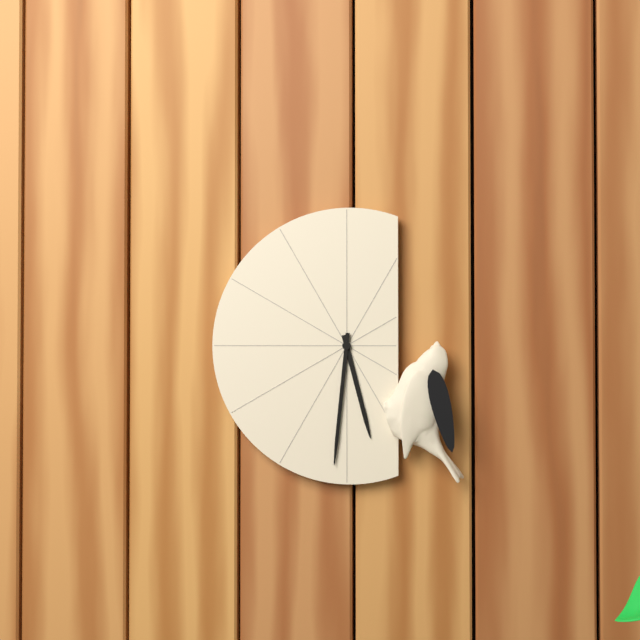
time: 5:31
